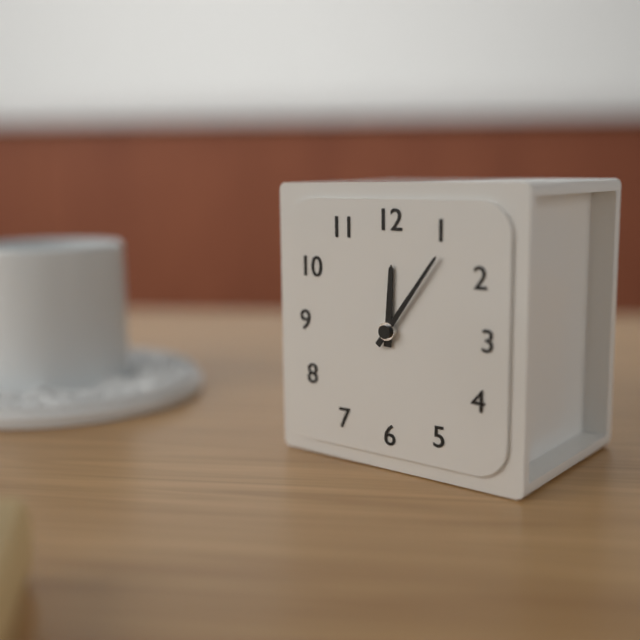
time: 12:06
